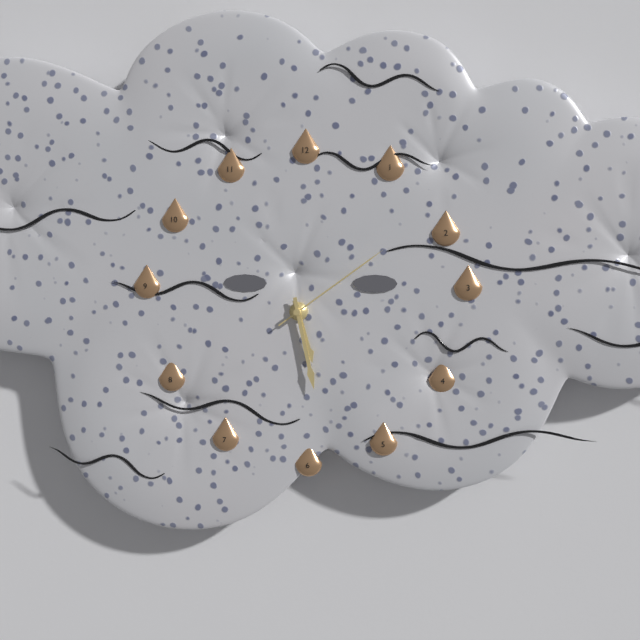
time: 5:28:09
